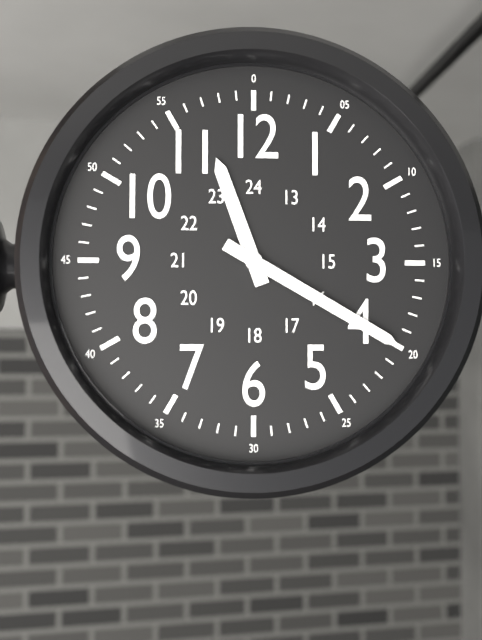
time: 11:20
